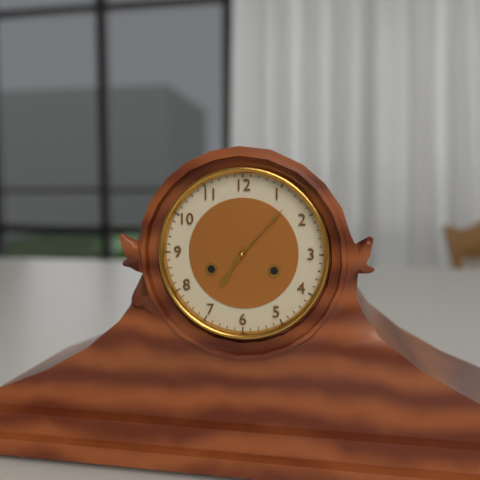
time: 7:07
